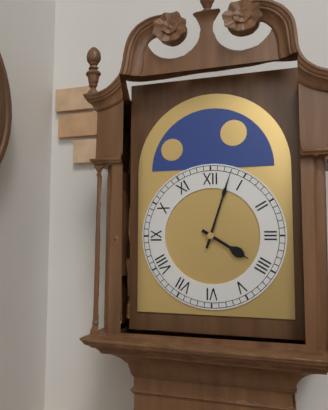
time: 4:03
